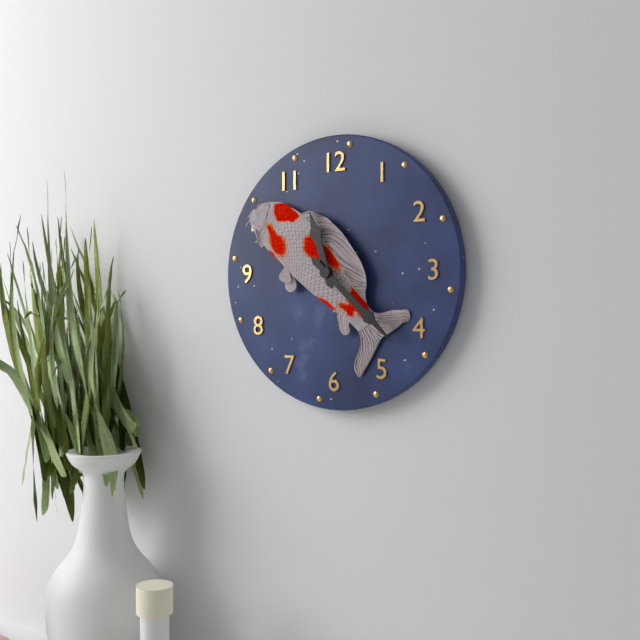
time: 11:22
